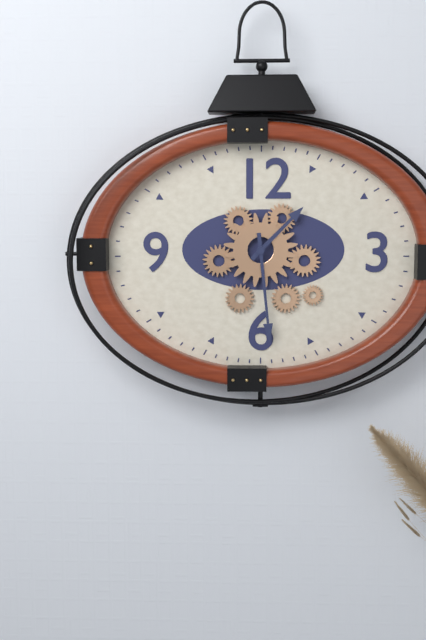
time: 1:29
